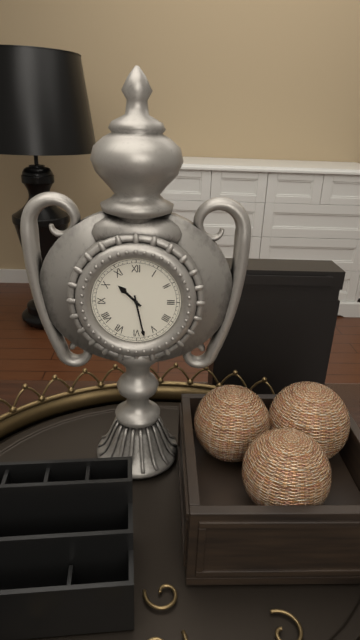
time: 10:28
